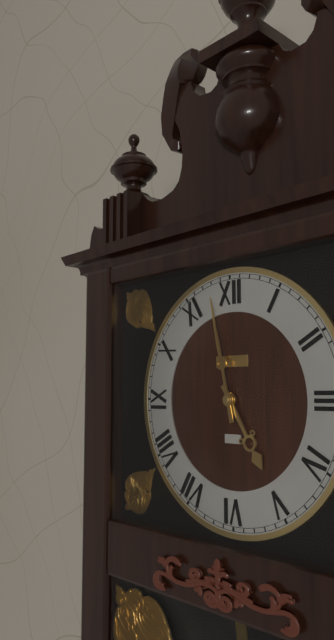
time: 4:58
